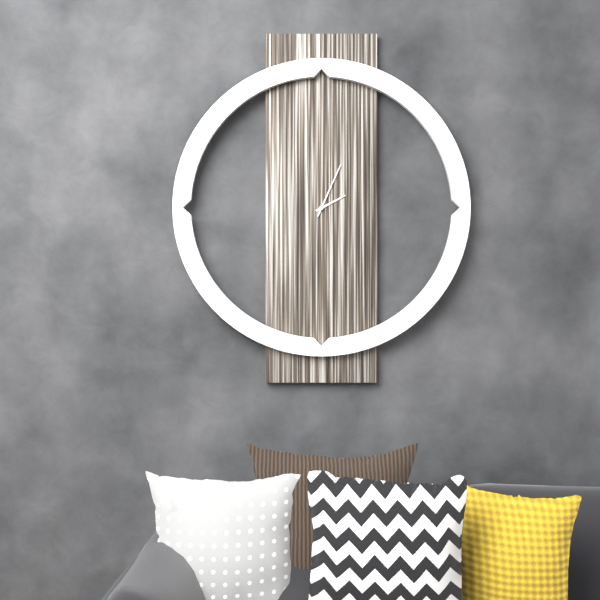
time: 2:04
